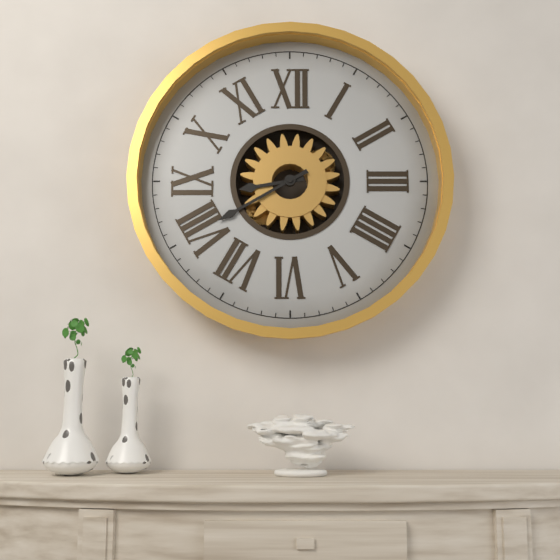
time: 8:40
